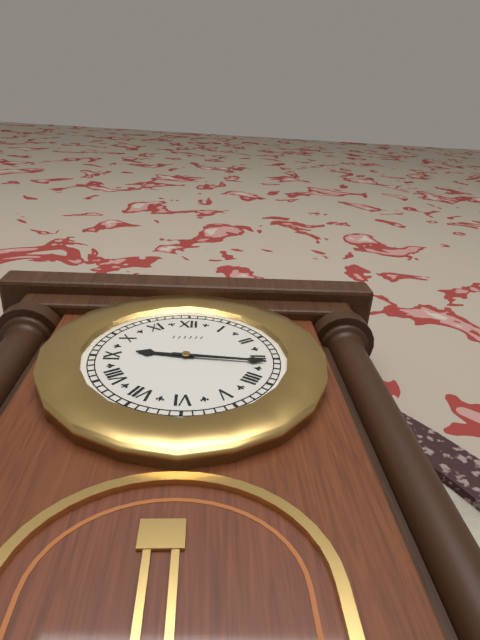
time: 9:16
